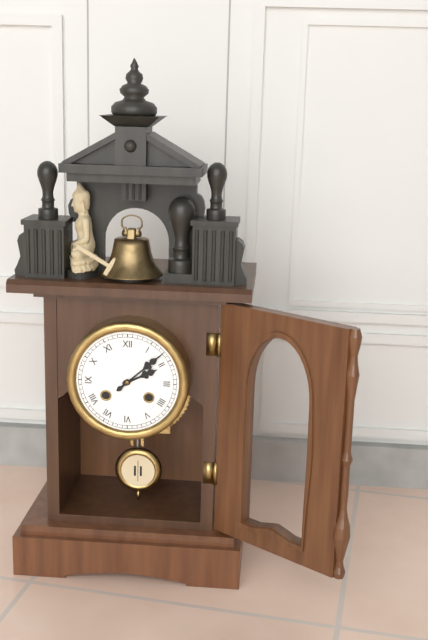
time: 2:08
